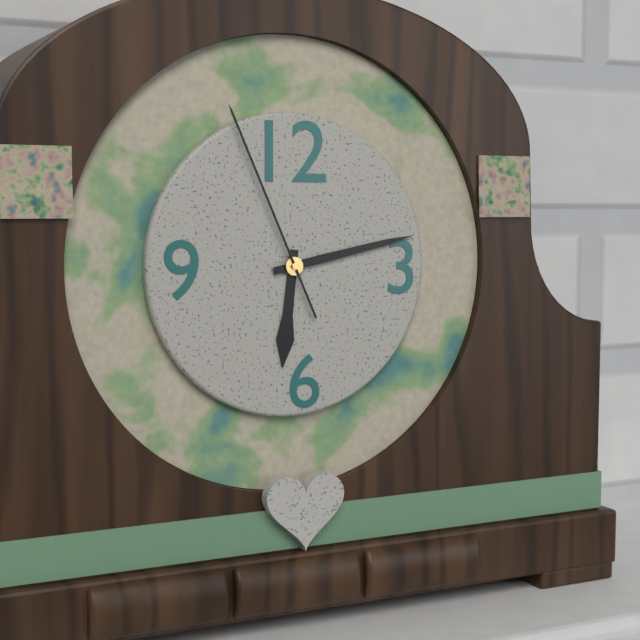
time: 6:13:56
